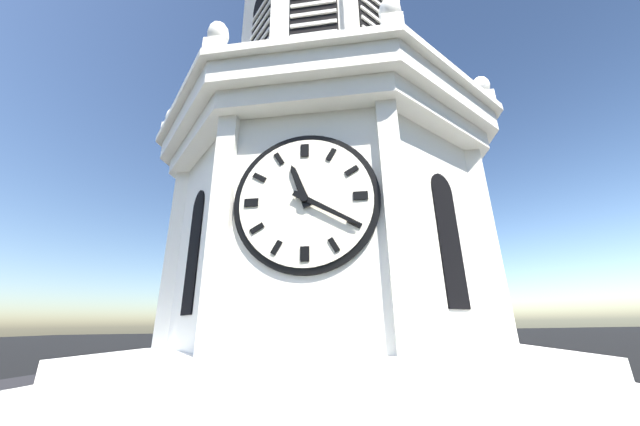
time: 11:20
